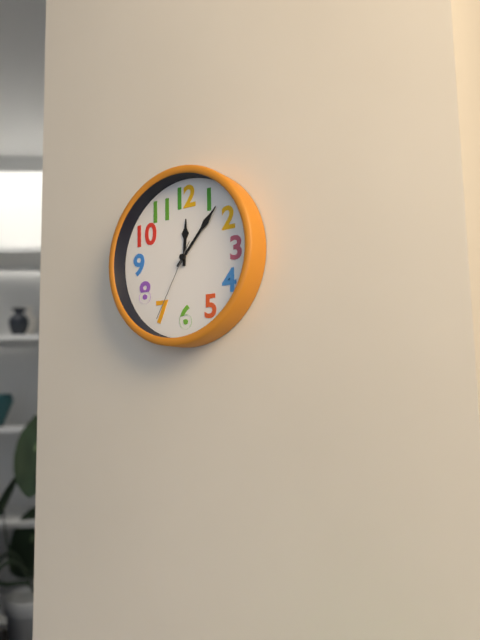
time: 12:07:35
